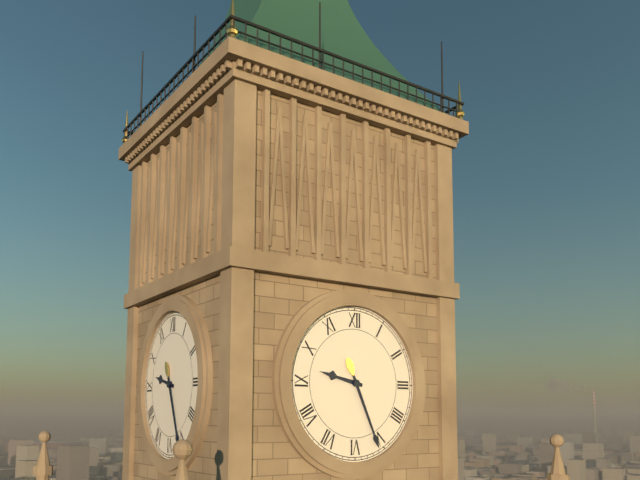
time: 9:26
